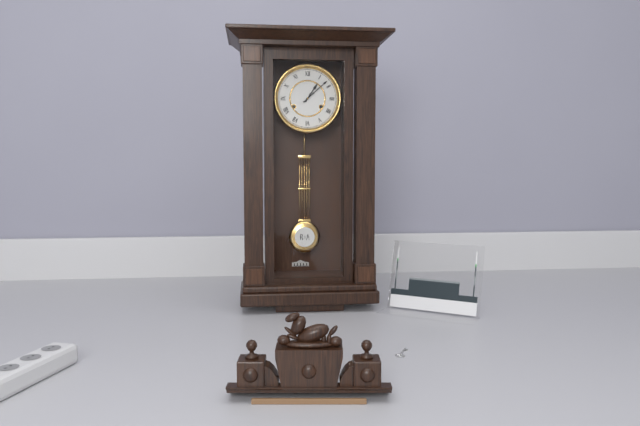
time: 1:08
